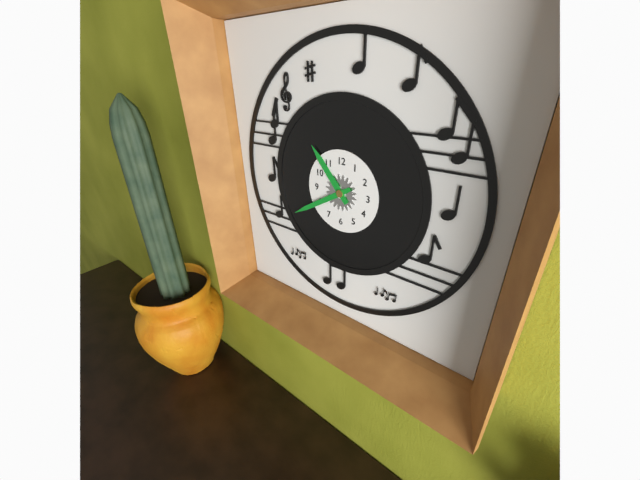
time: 10:40
